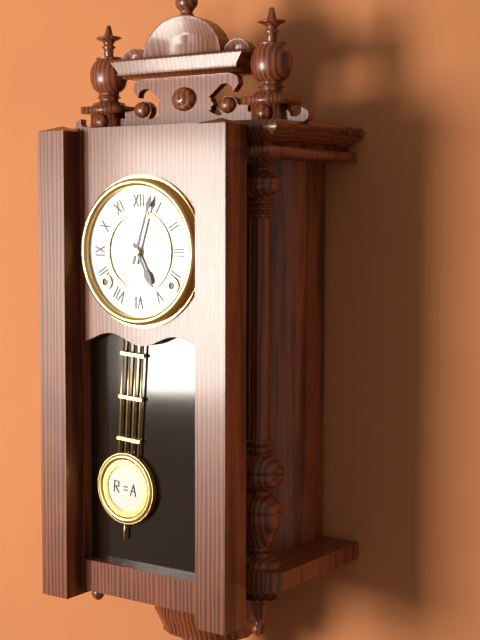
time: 5:03
